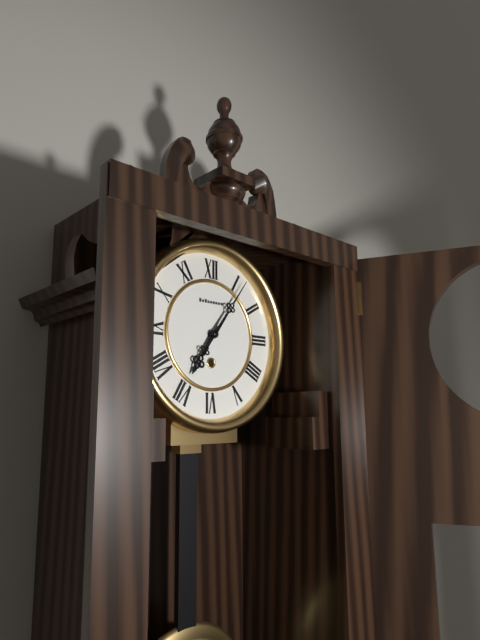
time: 7:06
